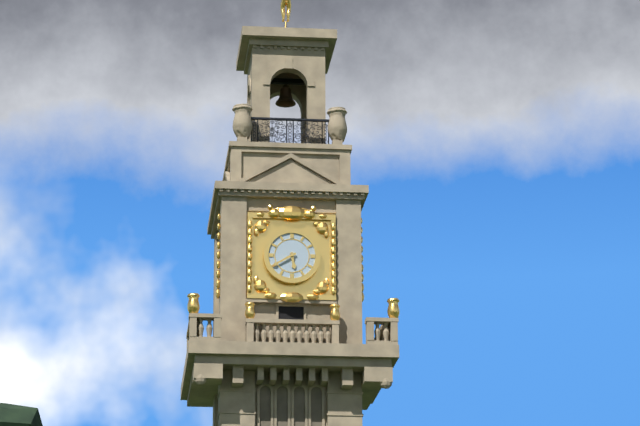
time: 5:40
